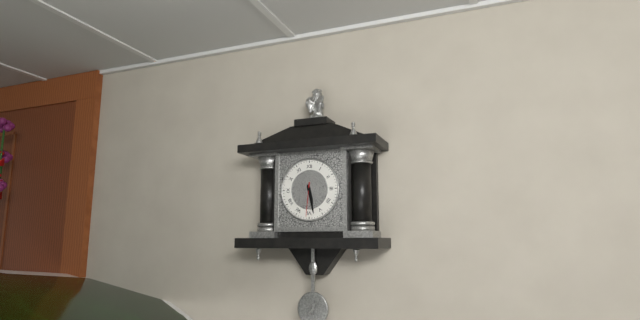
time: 5:28
